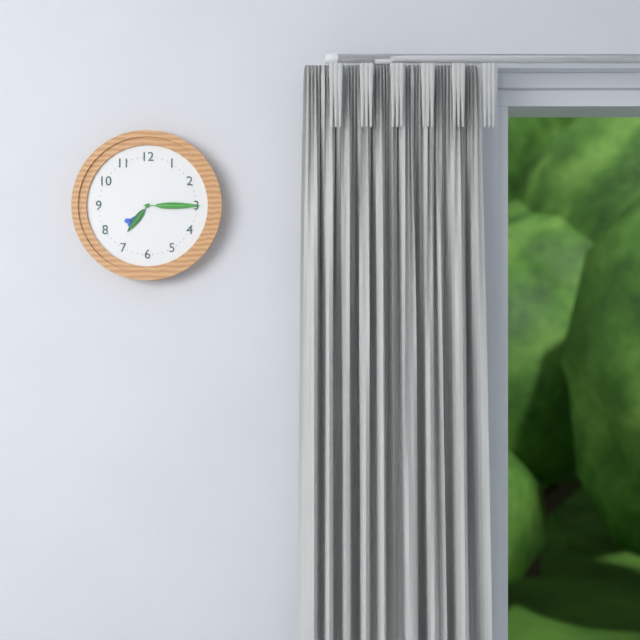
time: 7:15
